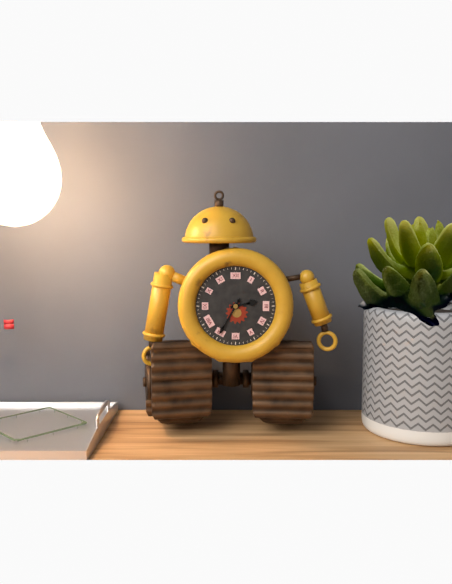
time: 2:35
